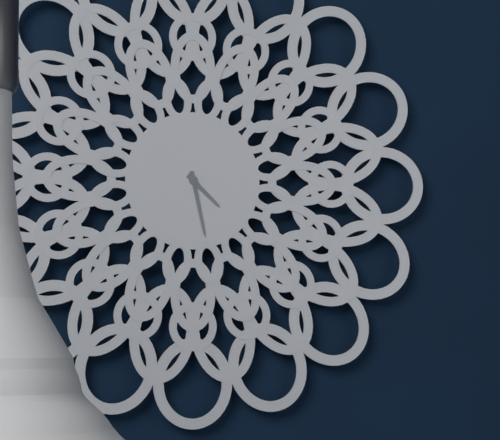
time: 4:28
